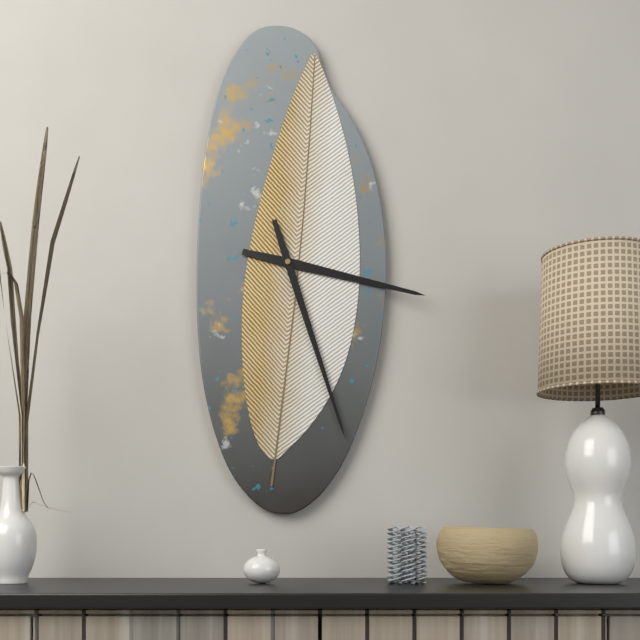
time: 3:27
